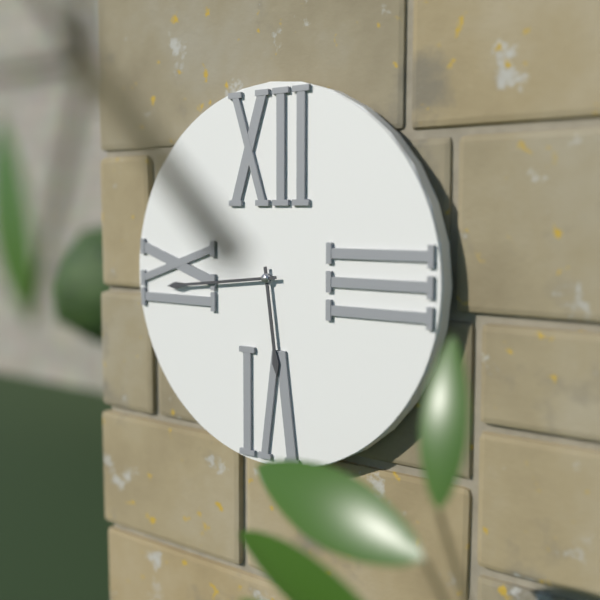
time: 5:44
